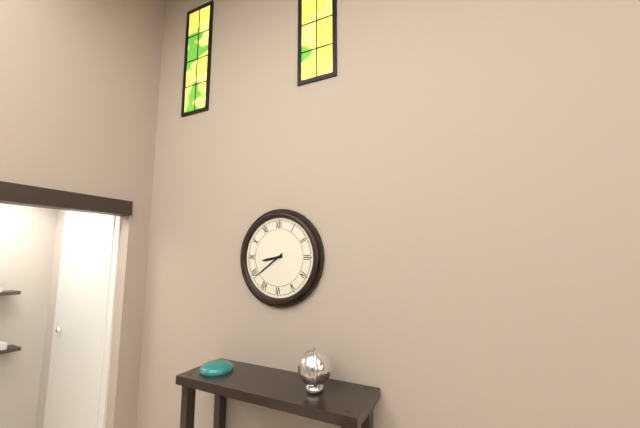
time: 8:39
